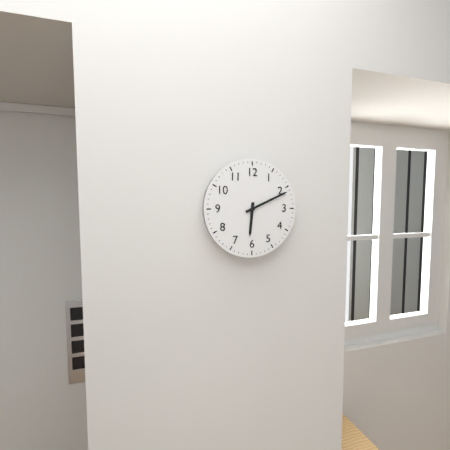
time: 6:11
